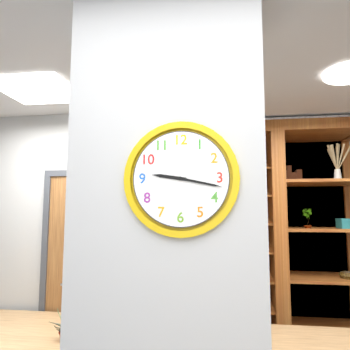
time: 9:17
